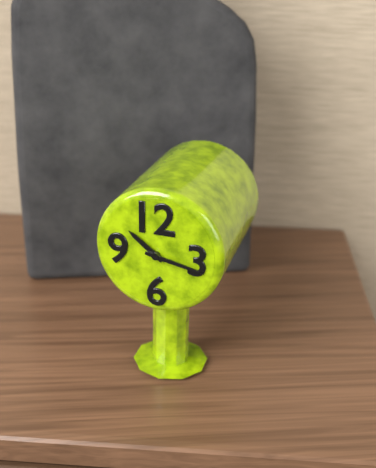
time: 10:17
